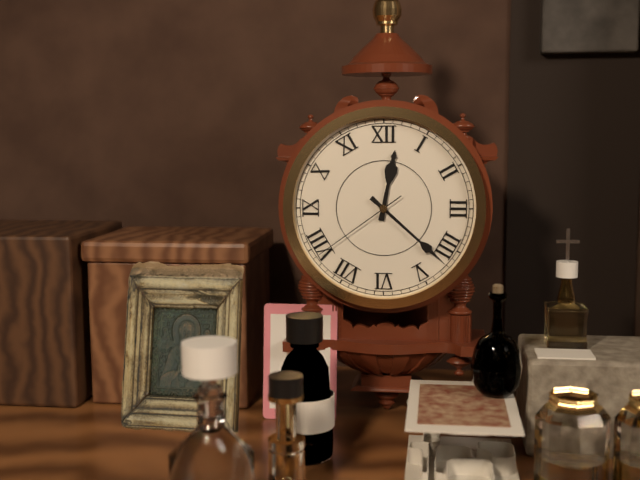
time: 12:22:39
